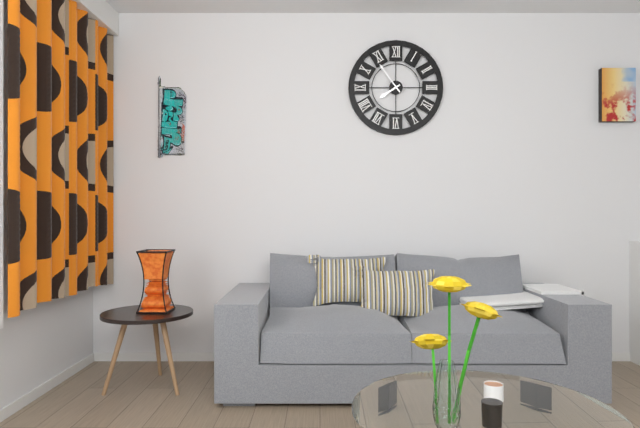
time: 7:54
